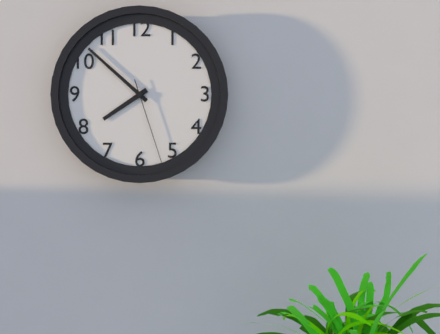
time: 7:52:27
